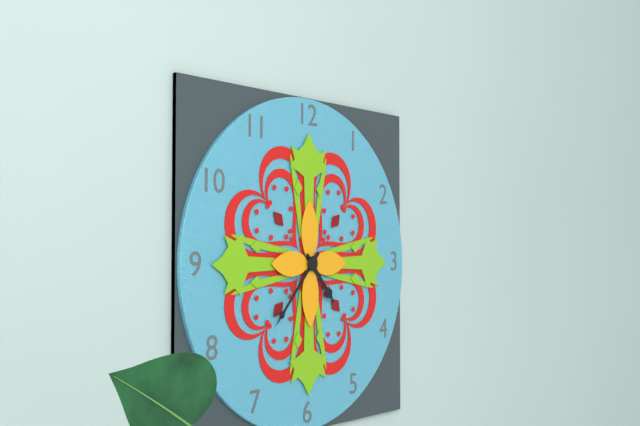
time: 4:37
